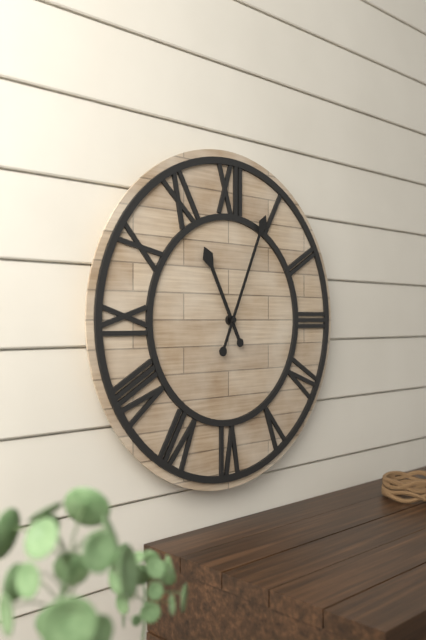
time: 11:04
